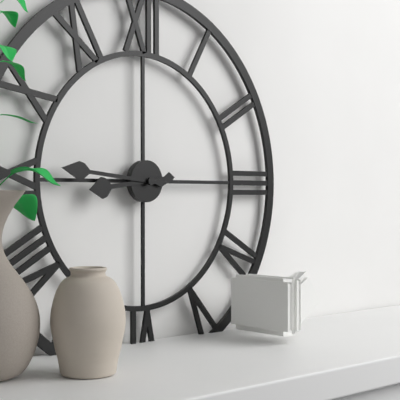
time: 8:46
